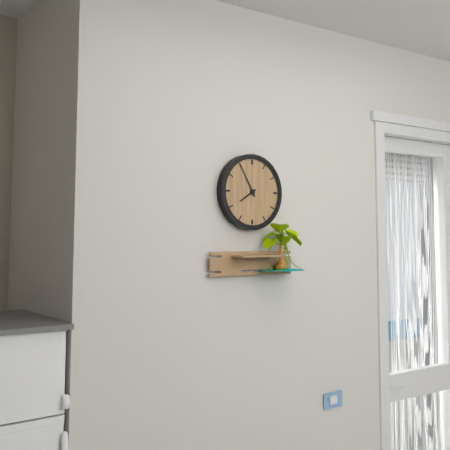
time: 7:55
